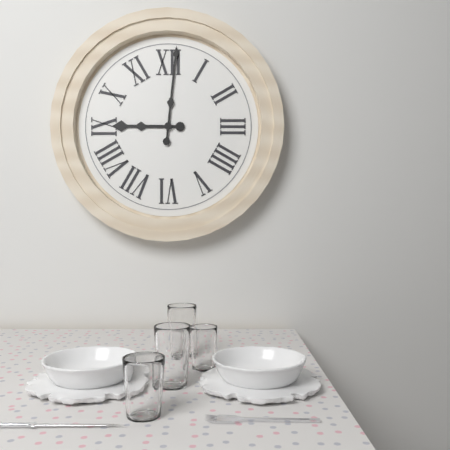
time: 9:01
